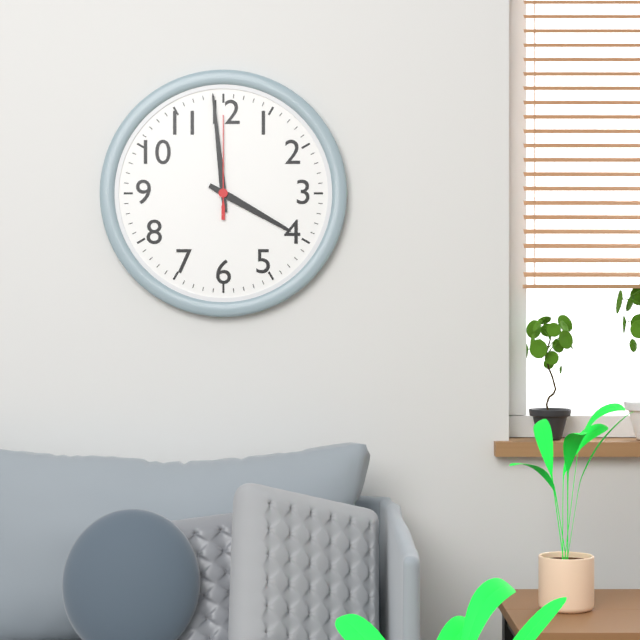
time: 3:59:00
